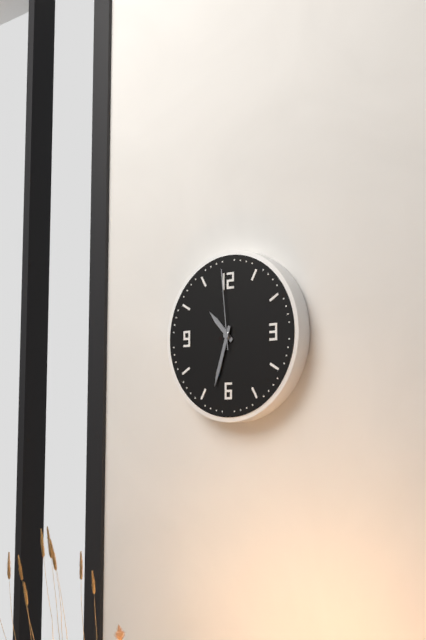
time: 10:33:59
